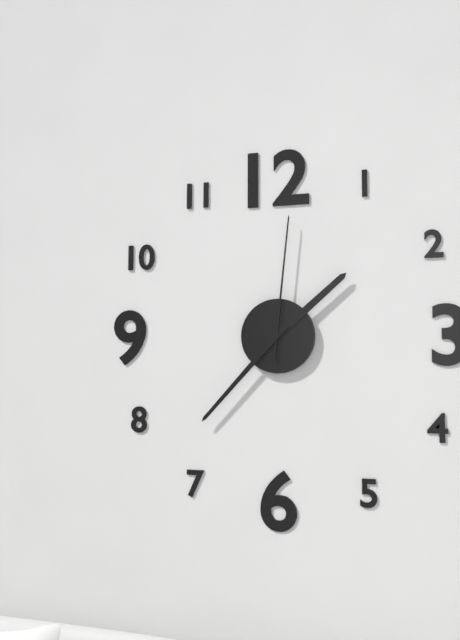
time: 1:37:01
